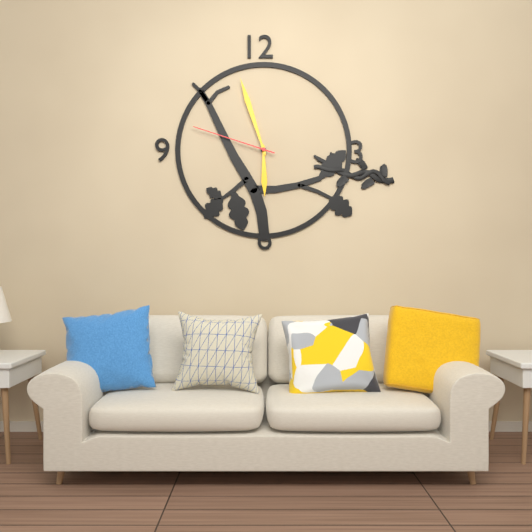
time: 5:57:48
